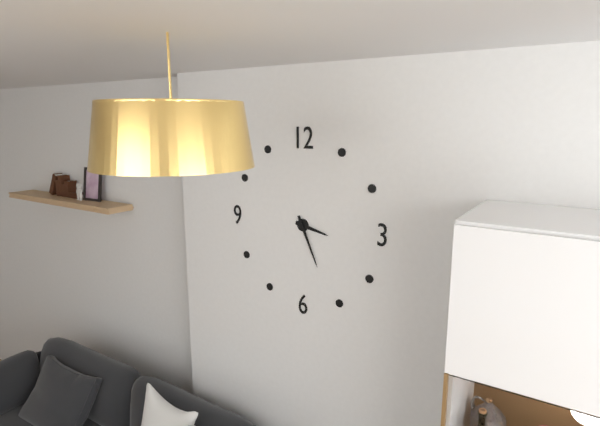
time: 3:26
